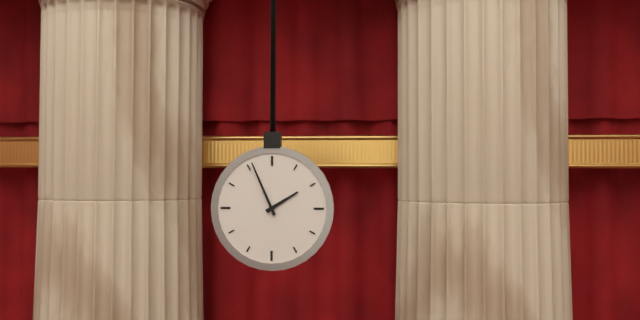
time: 1:56
